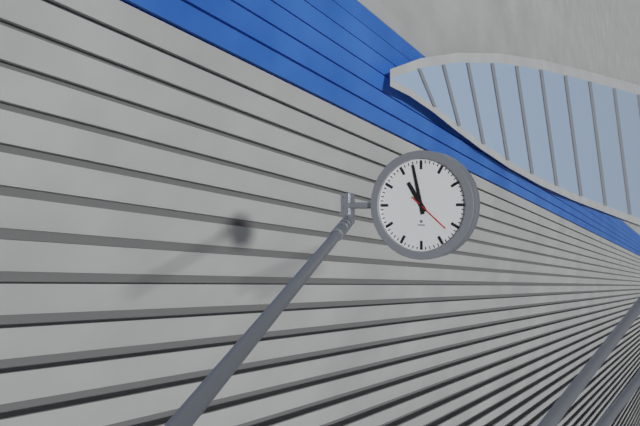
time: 10:58
